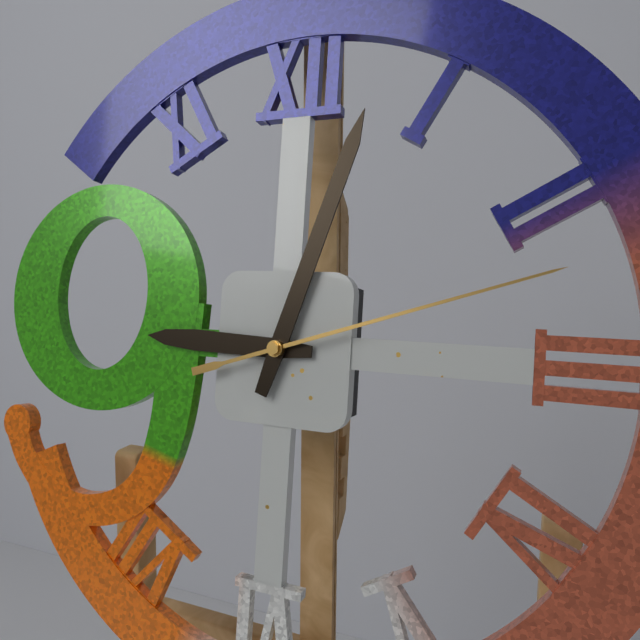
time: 9:03:12
